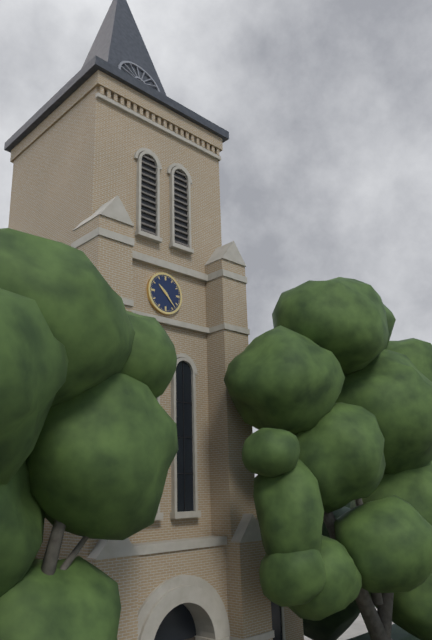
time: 10:23
